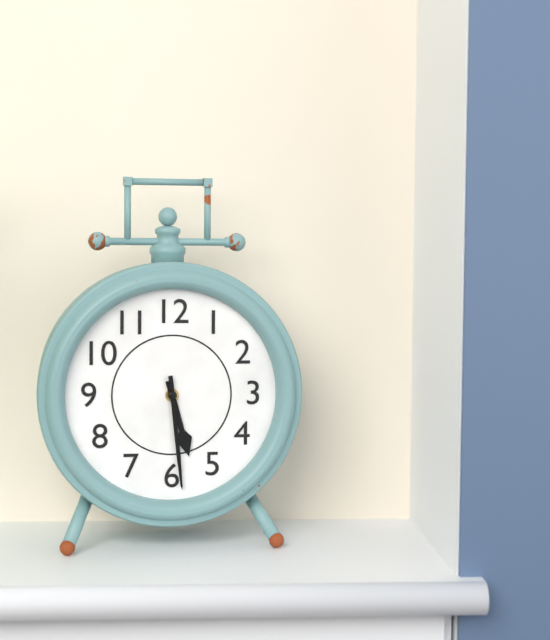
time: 5:29
